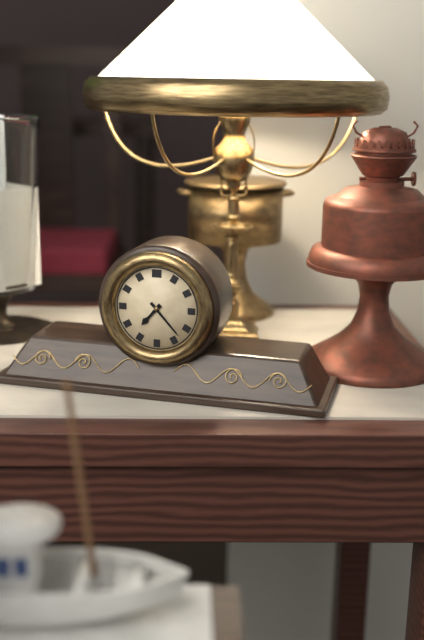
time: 7:23
